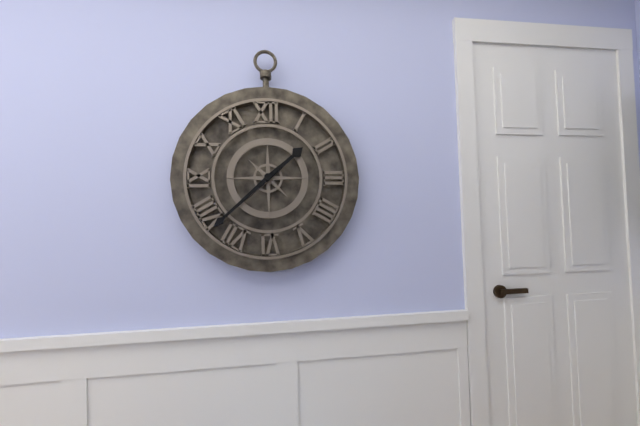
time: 1:38
